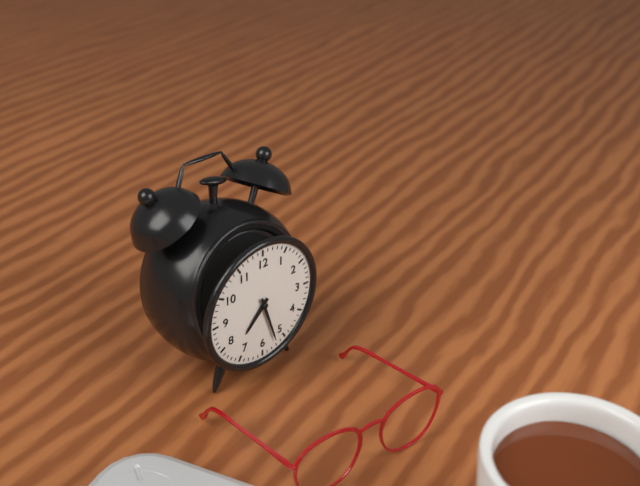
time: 7:27
